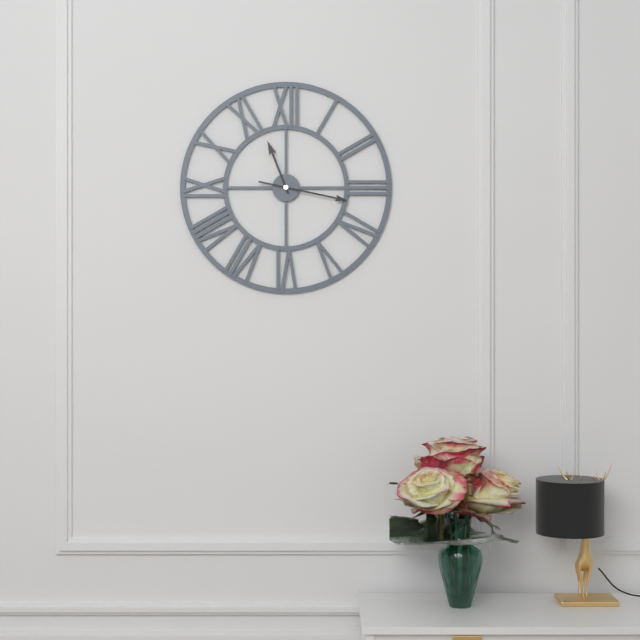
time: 11:17
